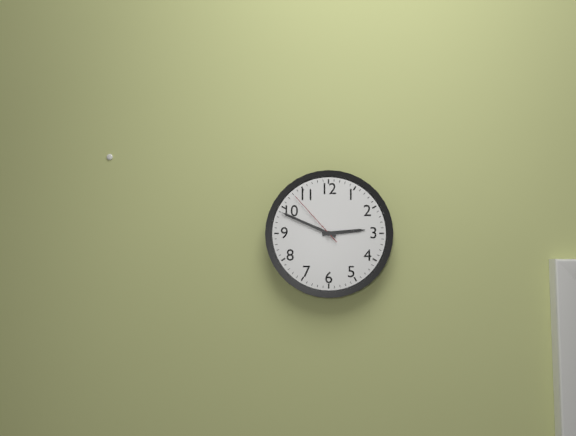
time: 2:49:53
